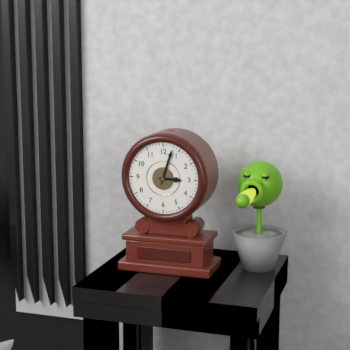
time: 3:03
